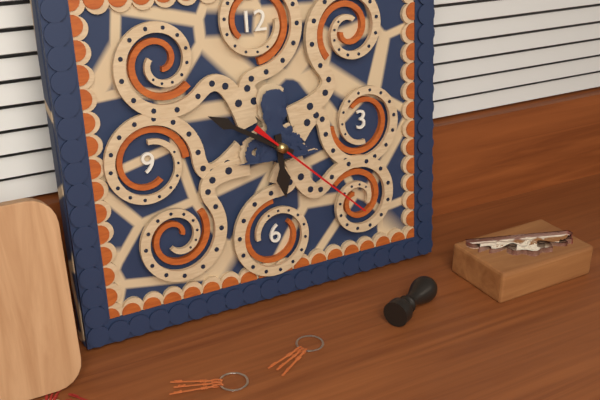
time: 5:50:22
